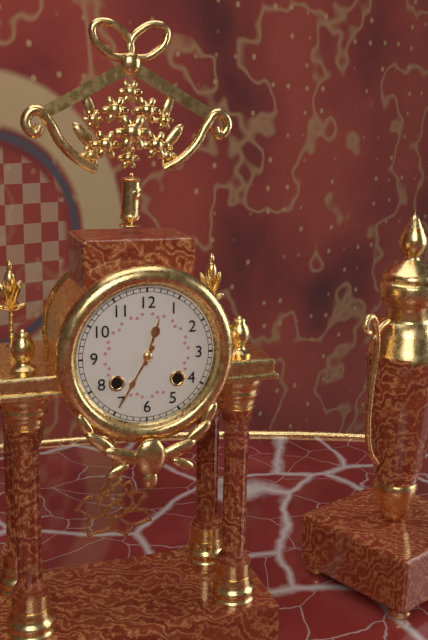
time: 12:35
